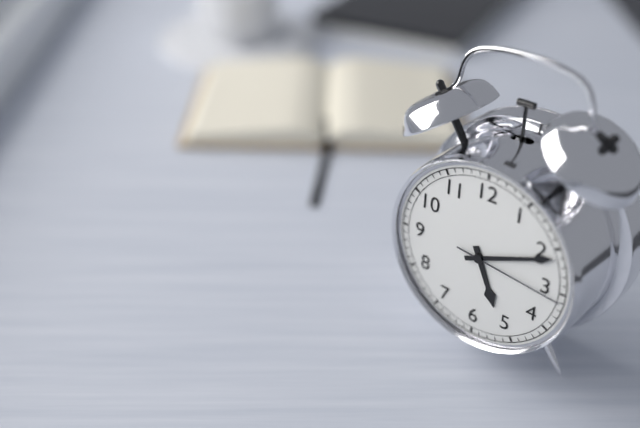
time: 5:11:16
